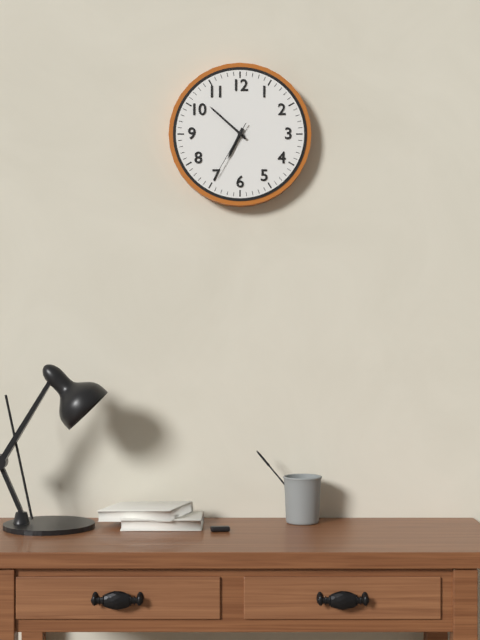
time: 6:52:35
